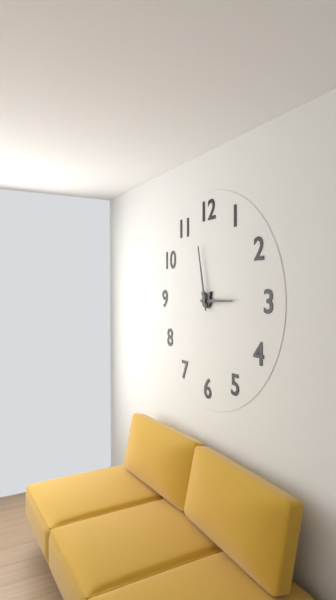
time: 2:58
